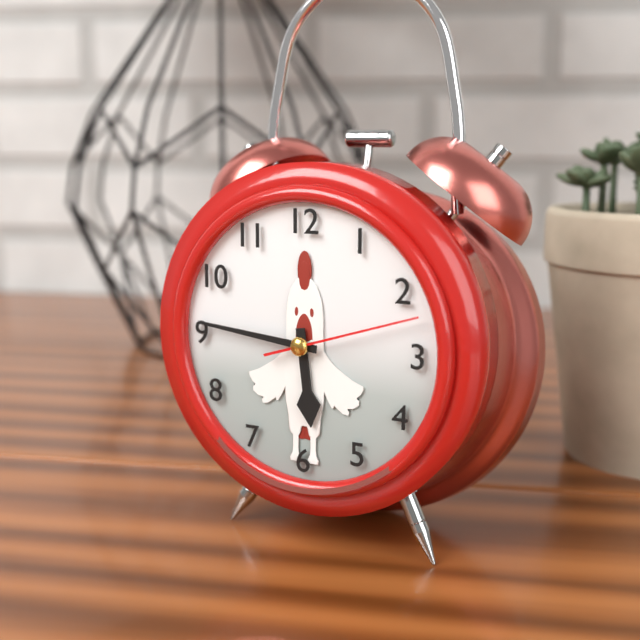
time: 5:46:12
